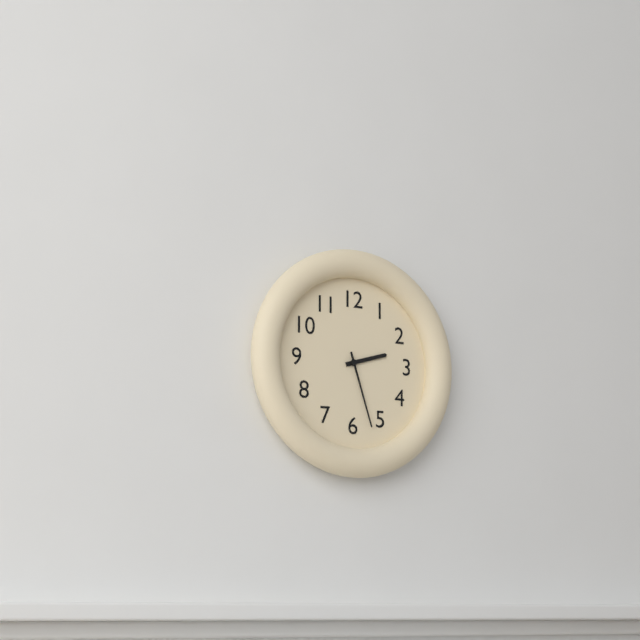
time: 2:27
